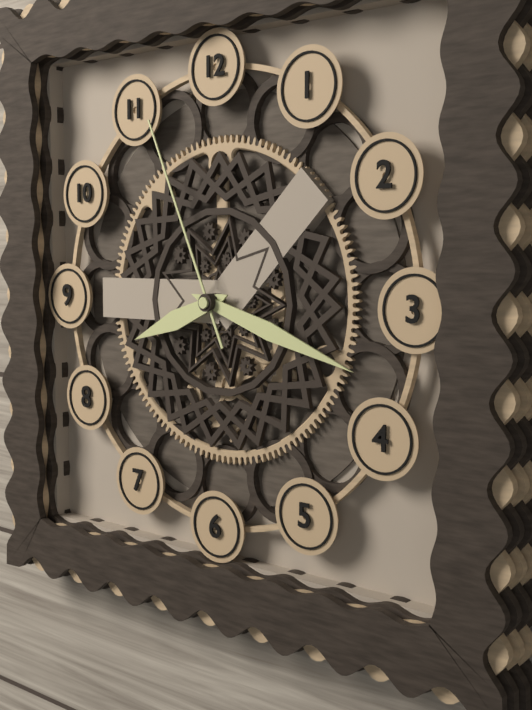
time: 8:18:56
